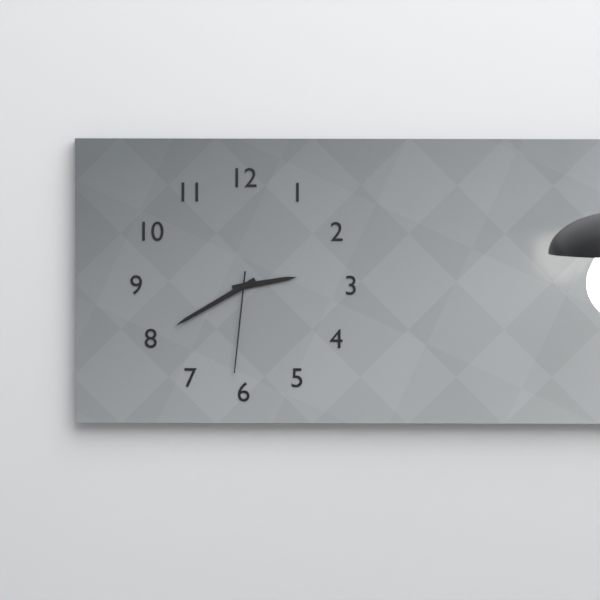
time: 2:40:31
